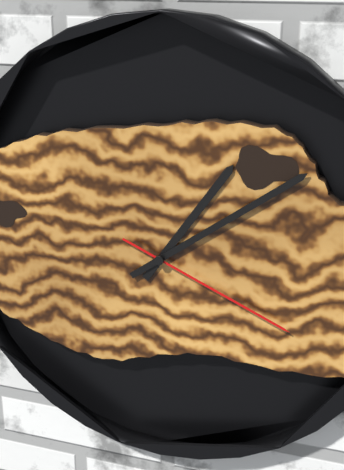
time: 1:09:19
